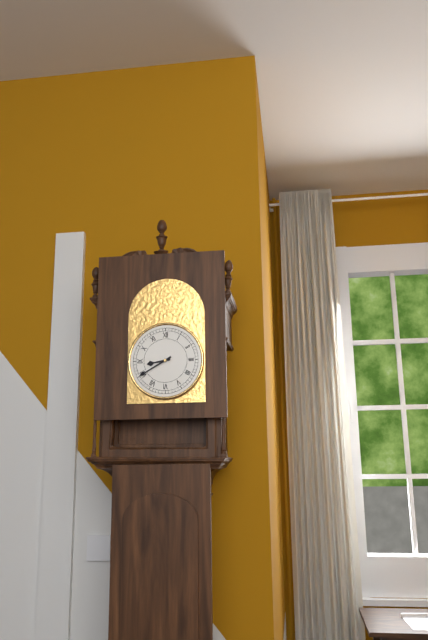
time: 8:40
